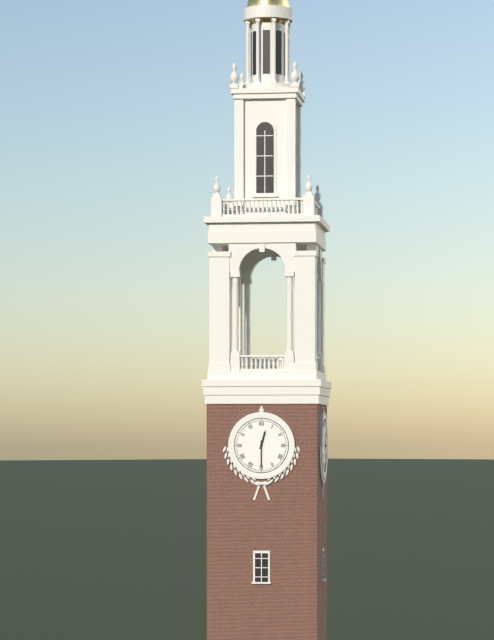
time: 12:30
